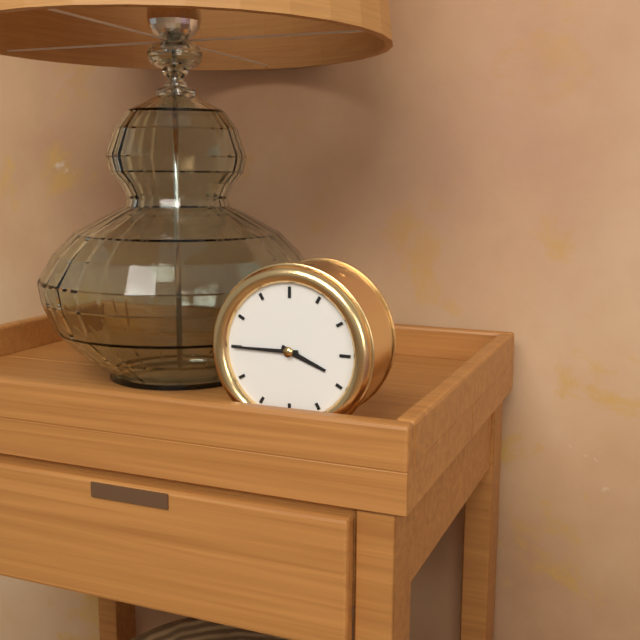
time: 3:45
